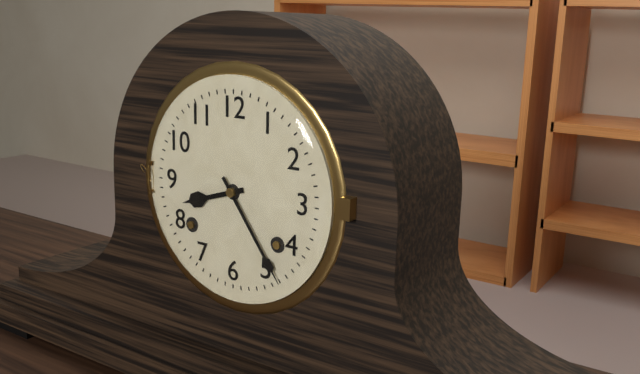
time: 8:24
